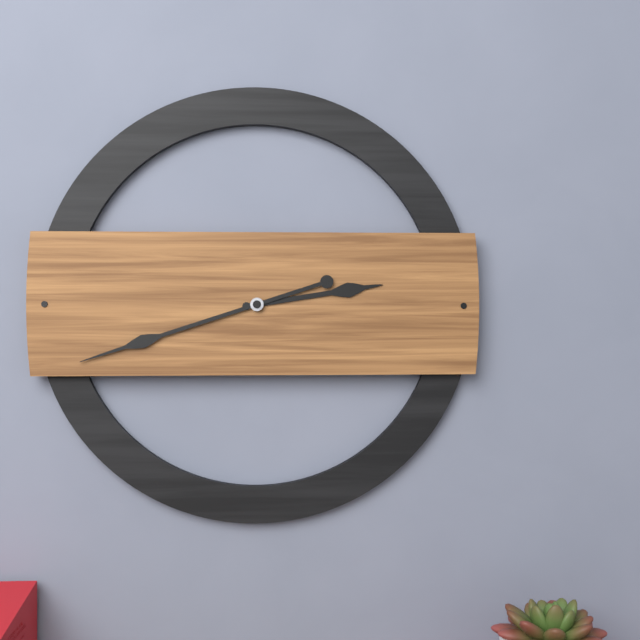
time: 2:42
